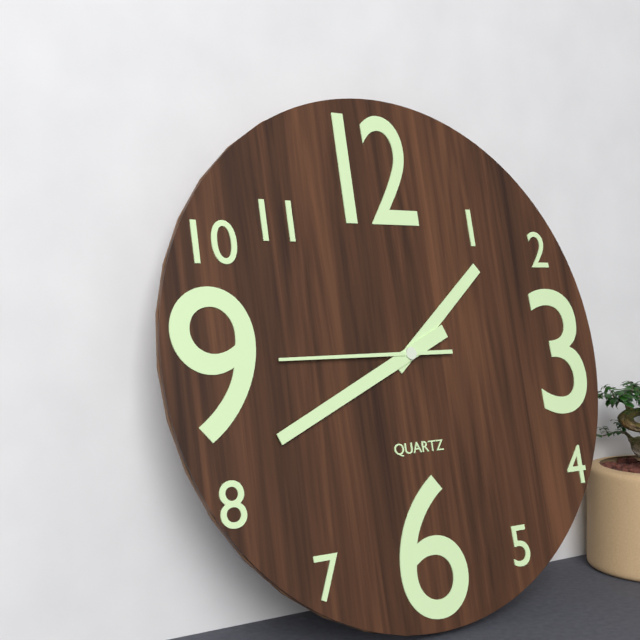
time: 1:41:45
